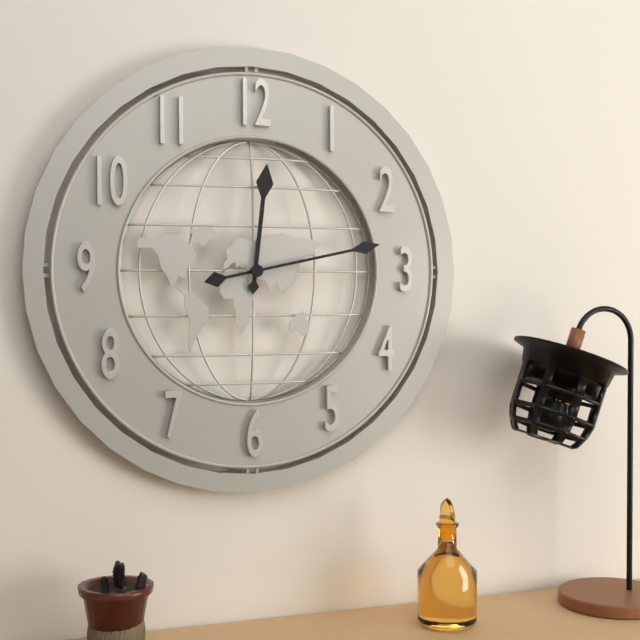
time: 12:13
